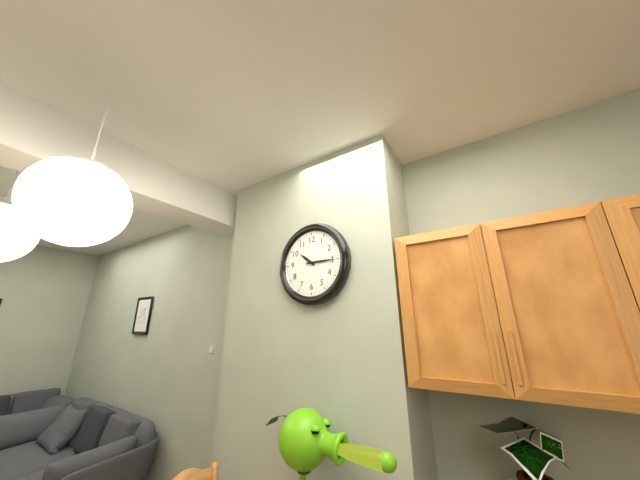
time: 10:15
